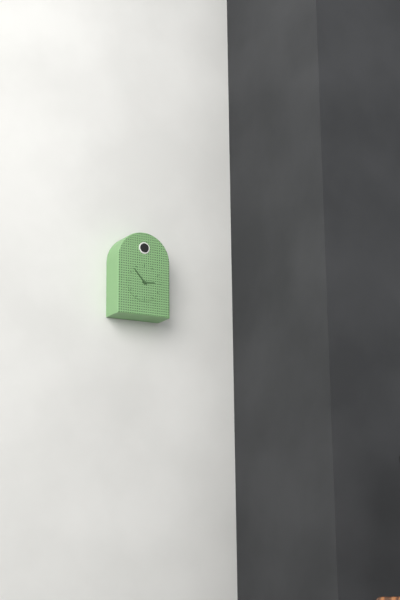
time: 2:53
